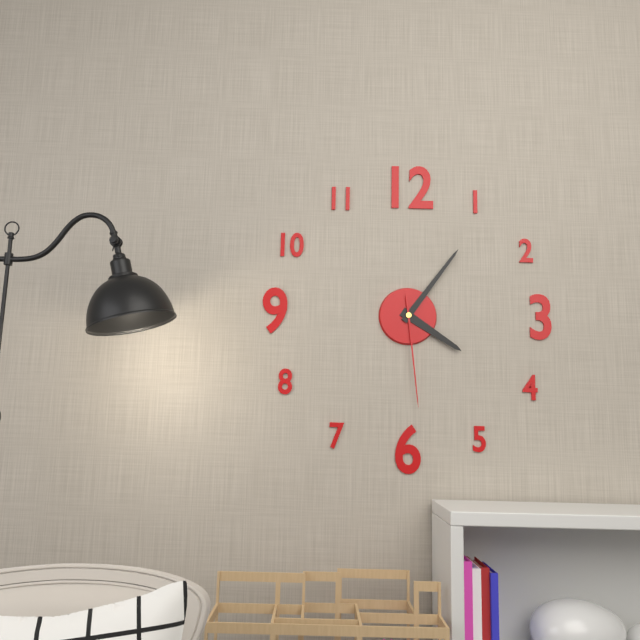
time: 4:06:29
